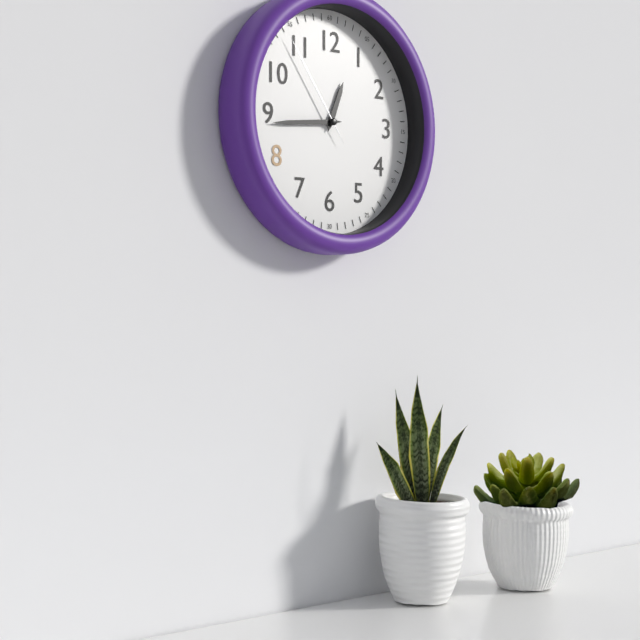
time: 12:44:54
